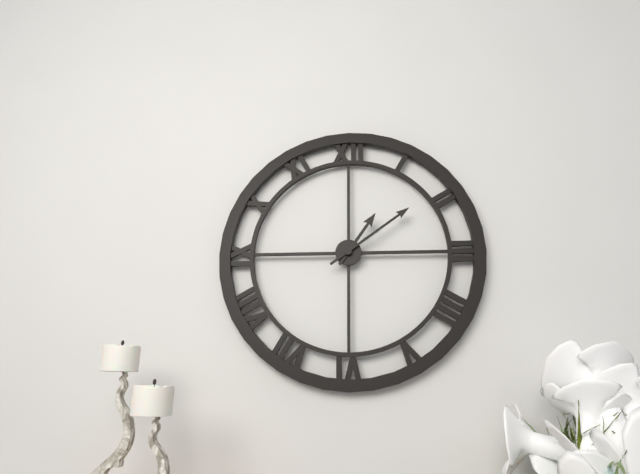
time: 1:09
